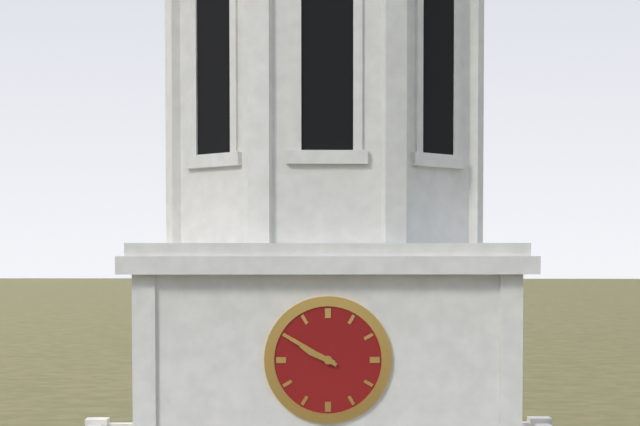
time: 9:50
